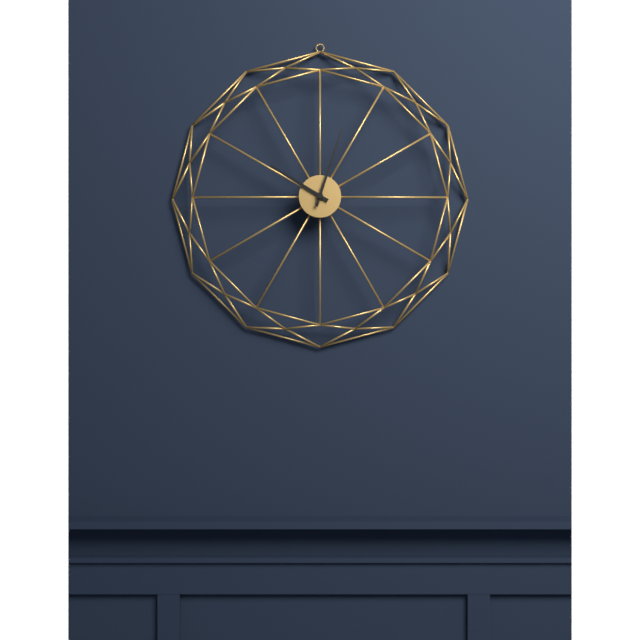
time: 10:03
